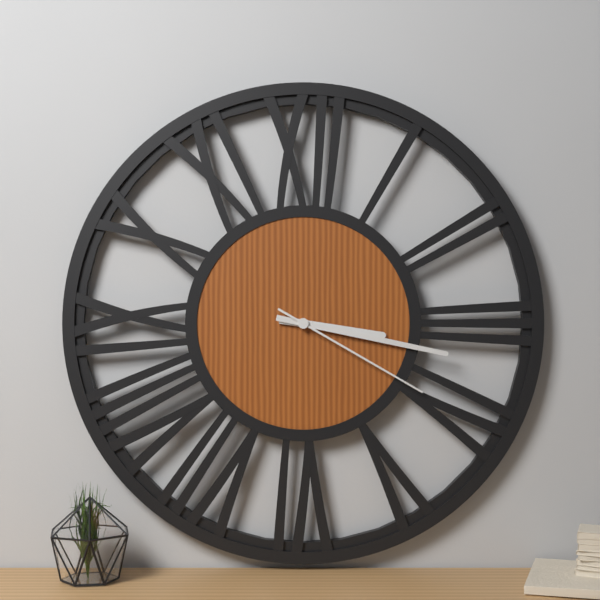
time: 3:17:20
